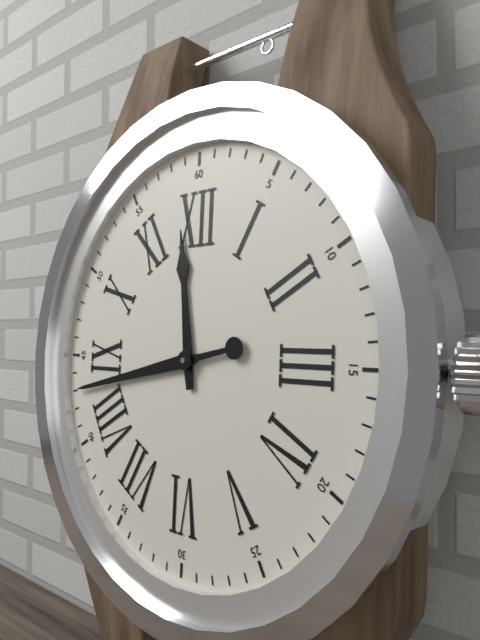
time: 11:43
